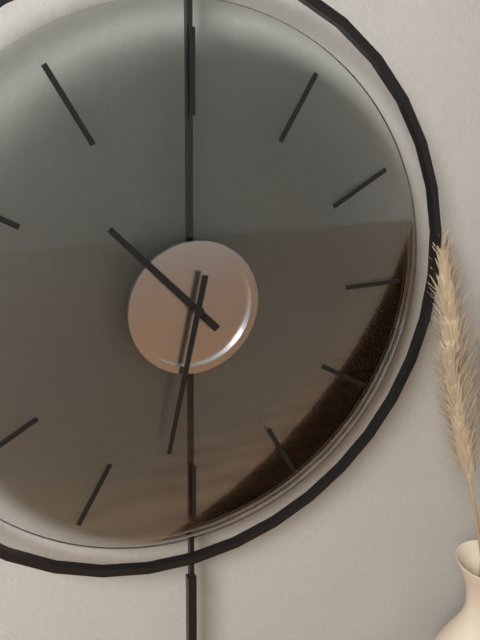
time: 10:32
